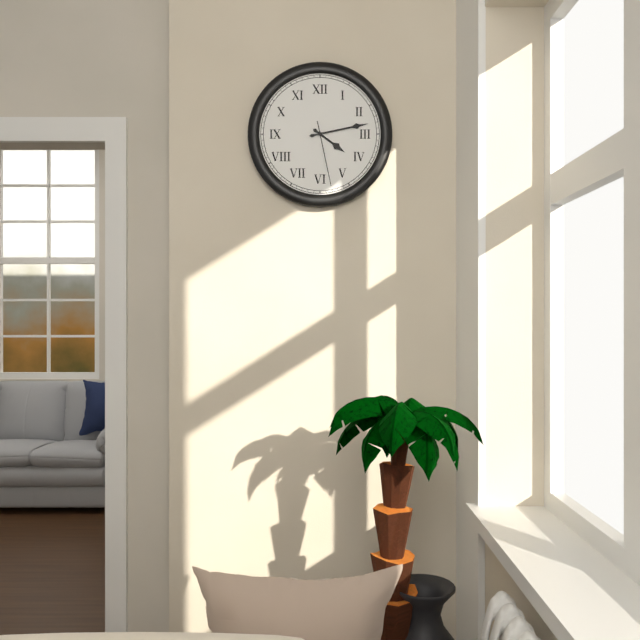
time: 4:13:28
